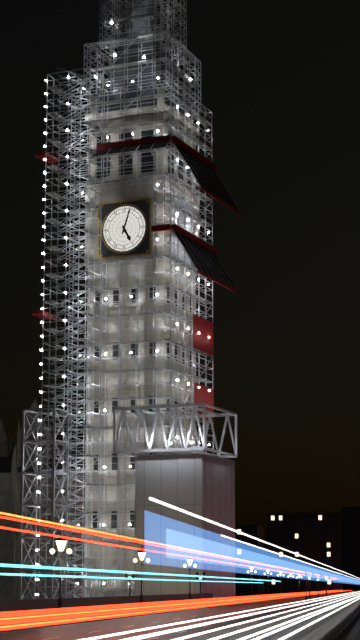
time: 5:03
